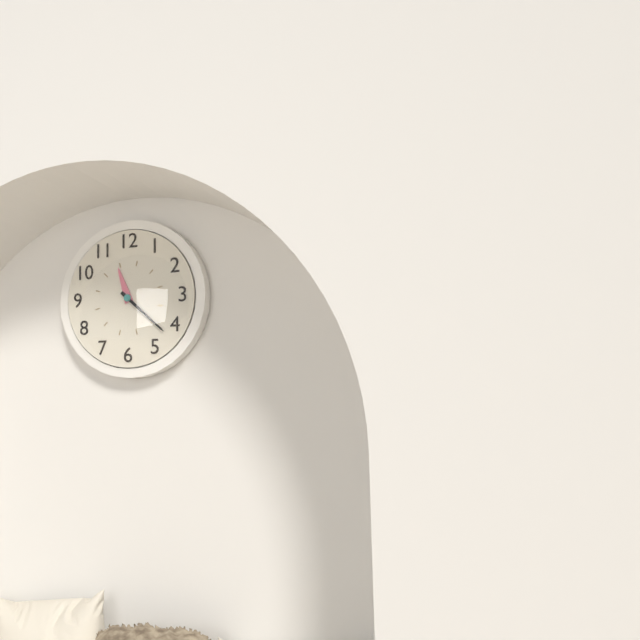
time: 11:22
